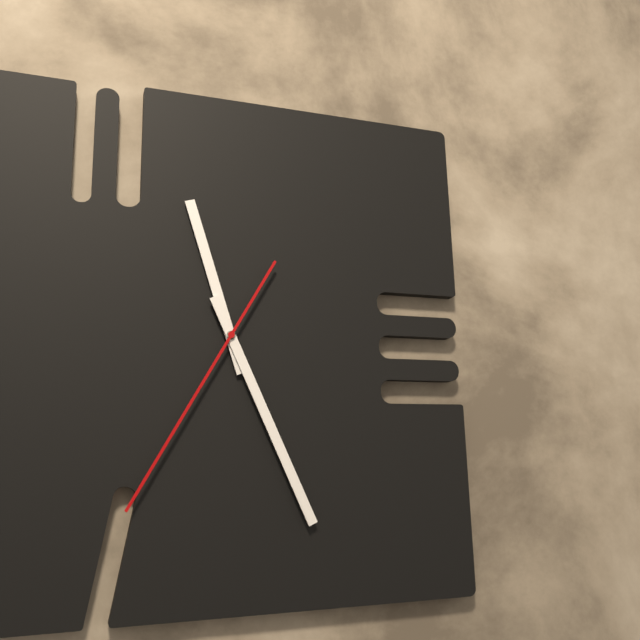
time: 11:26:35
